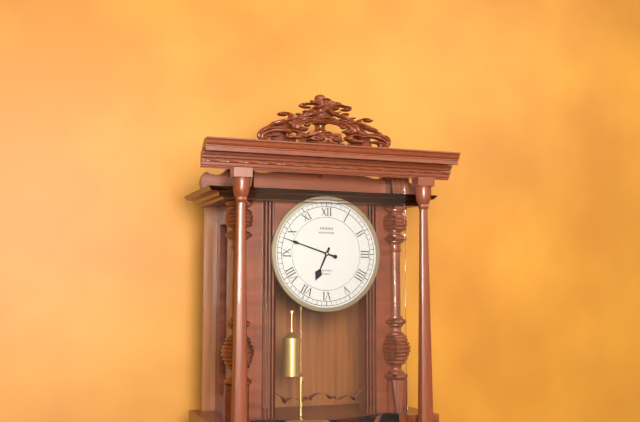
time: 6:48
